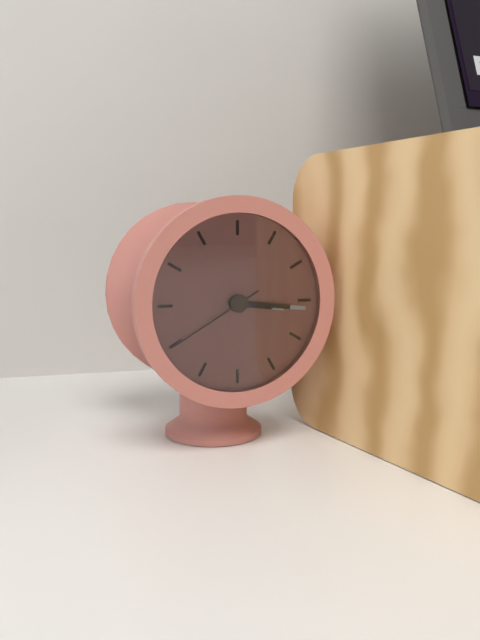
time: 3:16:40
